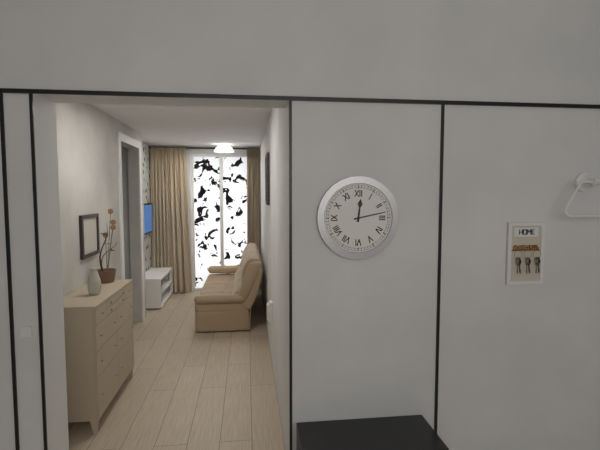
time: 12:13
